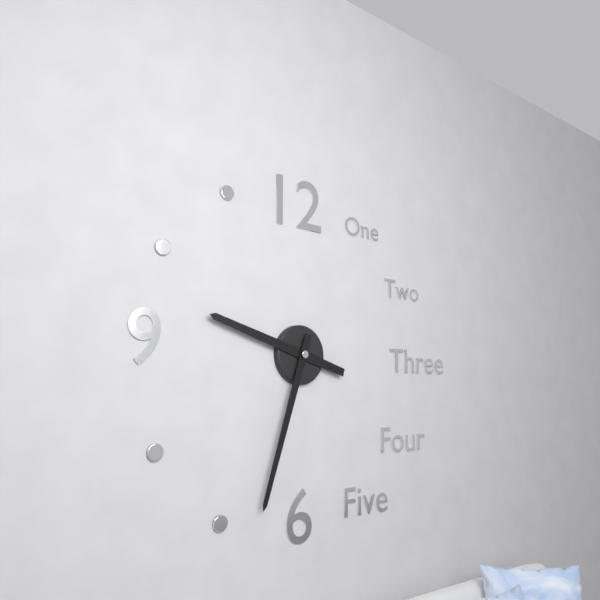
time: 9:33
